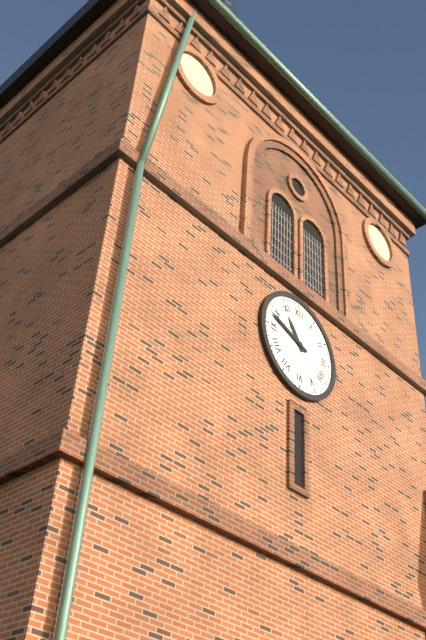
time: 10:48
